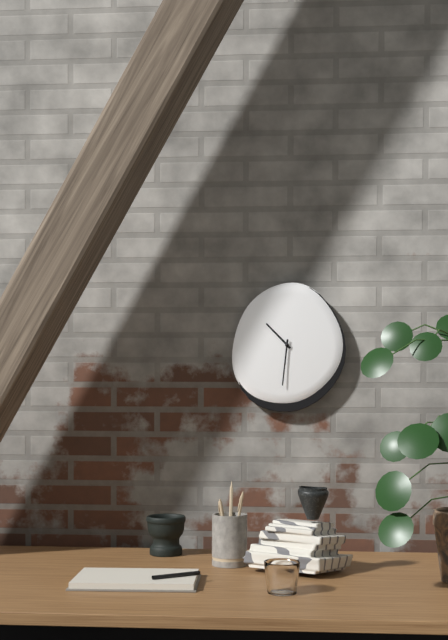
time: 10:31
